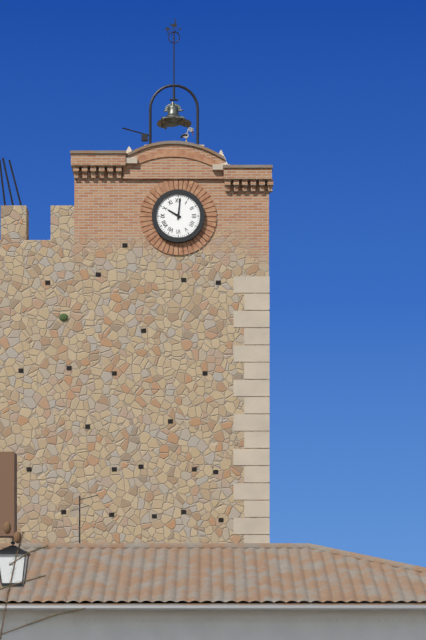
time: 10:01
